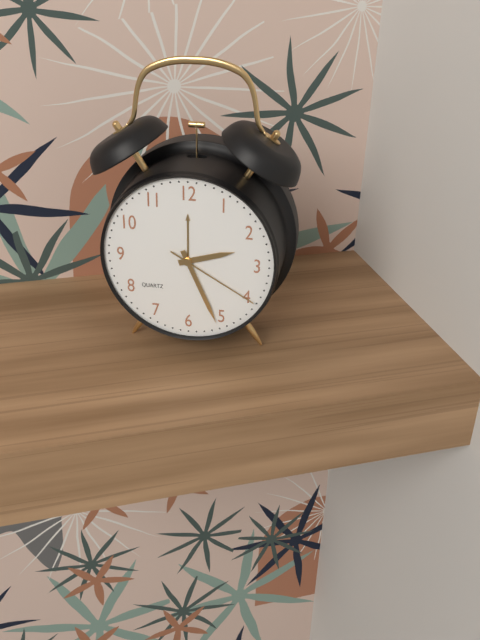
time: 2:26:20
